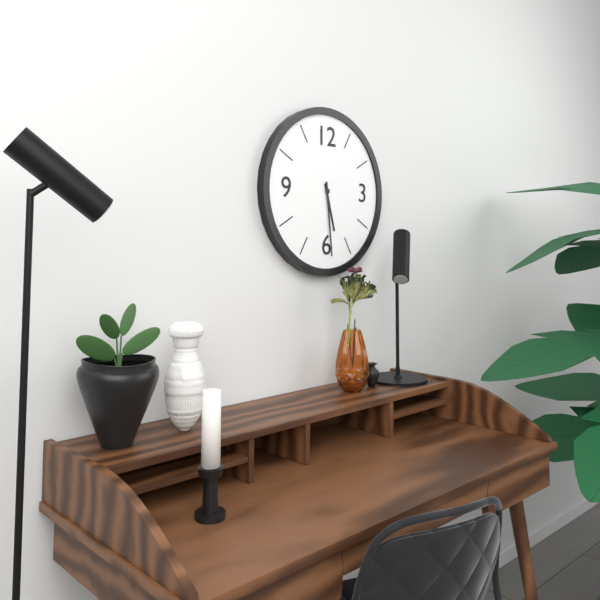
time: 5:29
